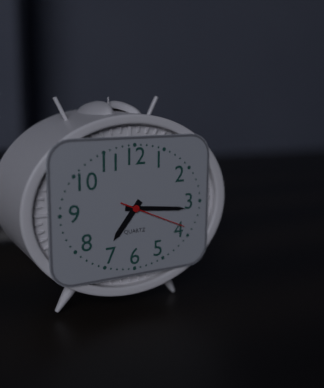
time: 7:16:19
